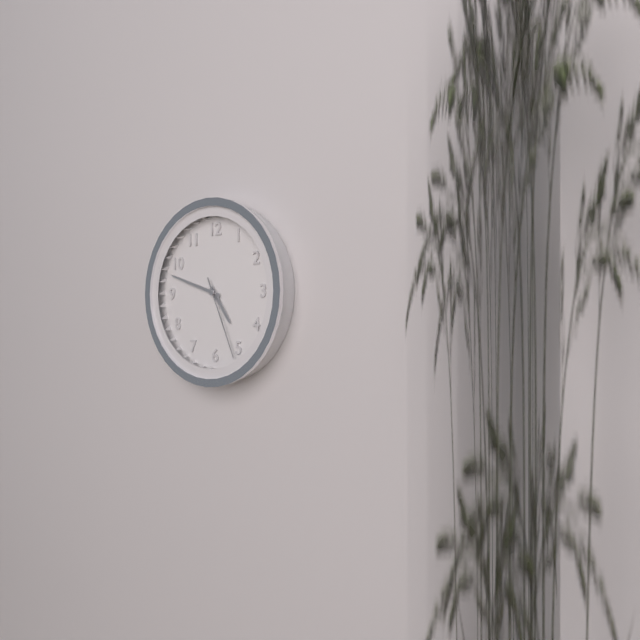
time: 4:48:26
